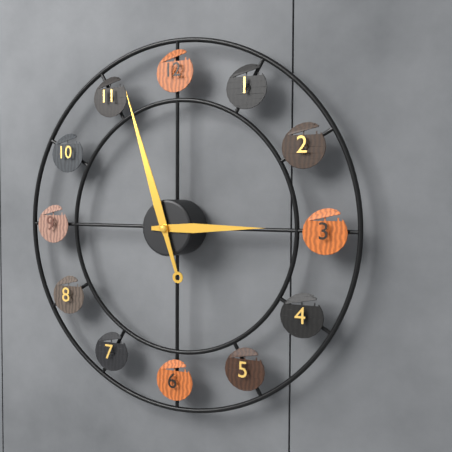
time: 2:57
